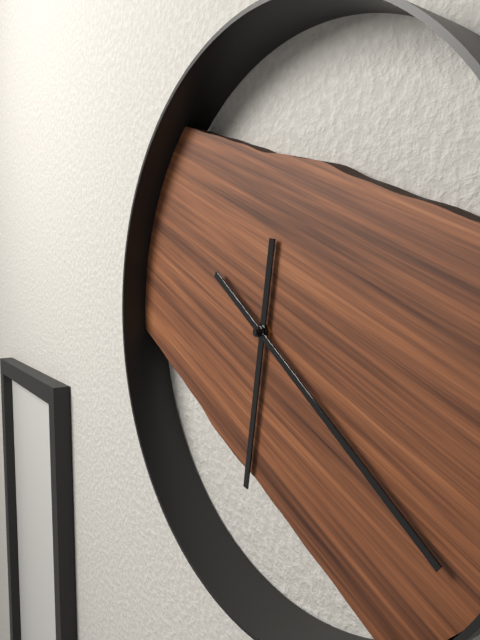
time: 6:21
